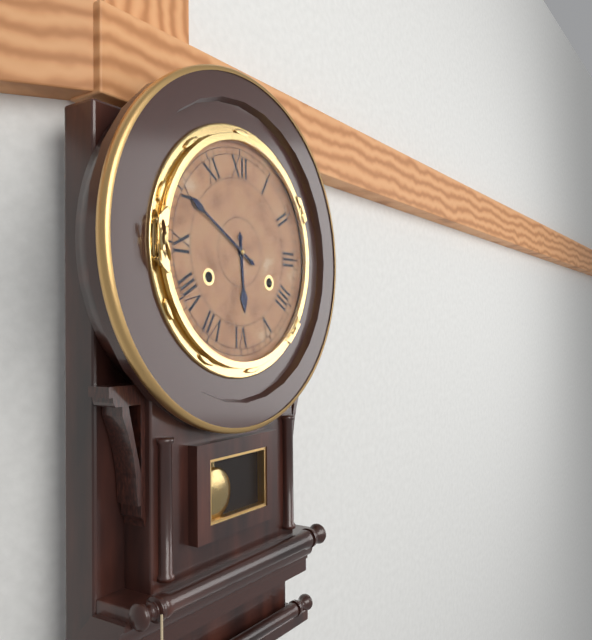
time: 5:50
